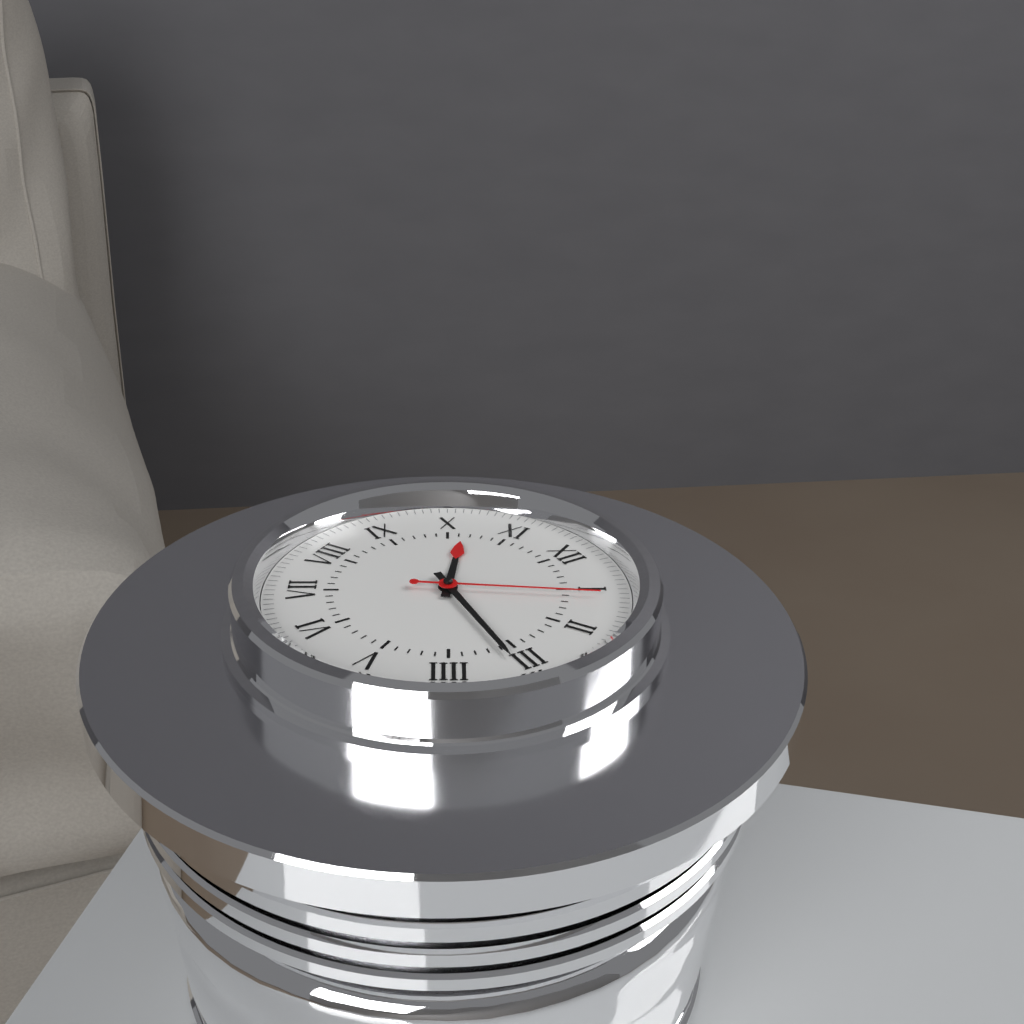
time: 10:16:06
